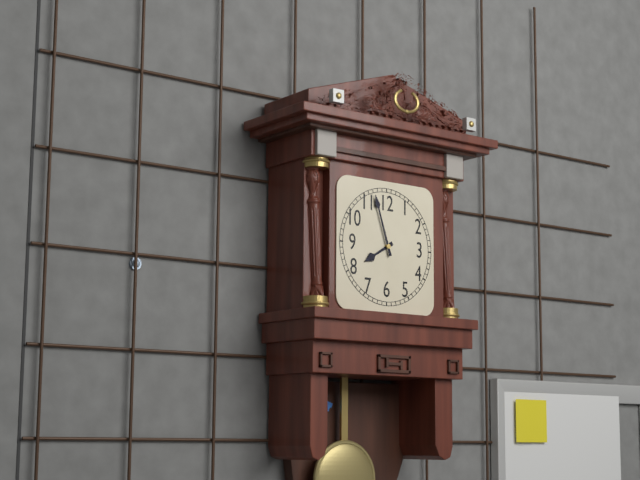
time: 7:57
